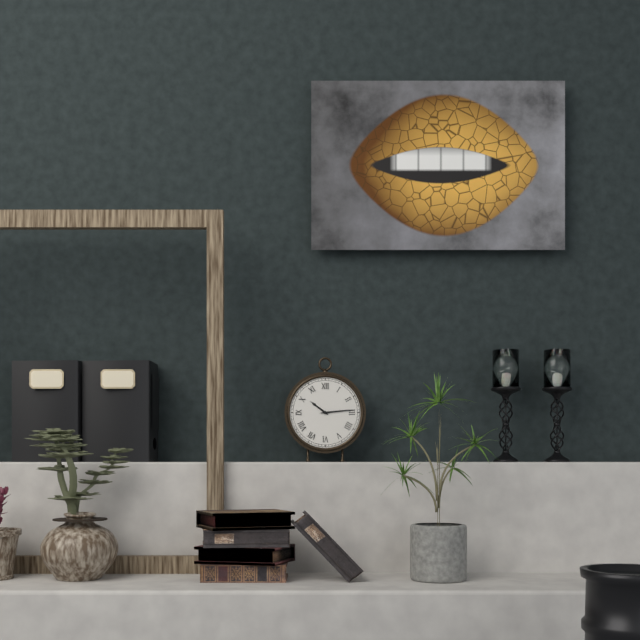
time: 10:14
